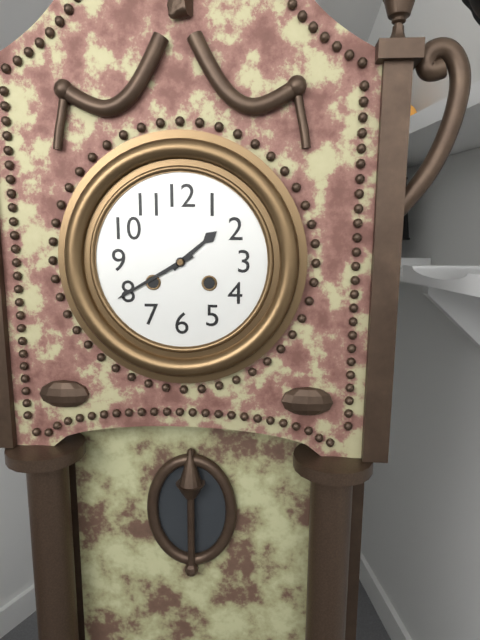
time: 1:40
